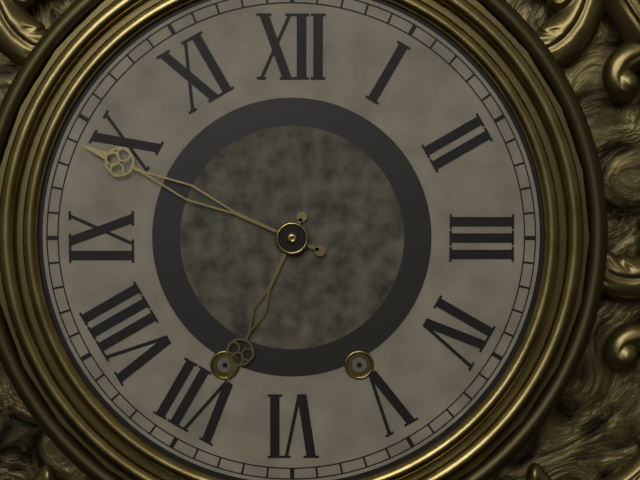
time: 6:49
